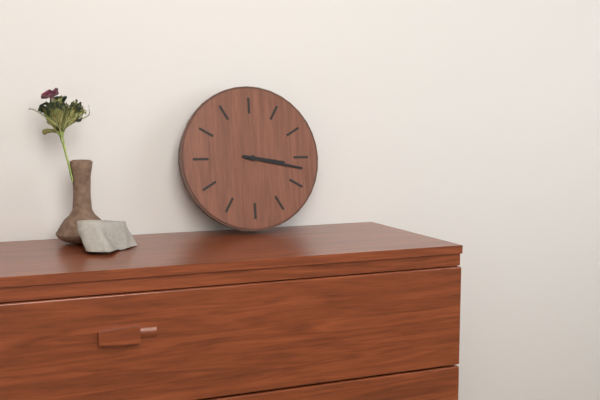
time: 3:17
